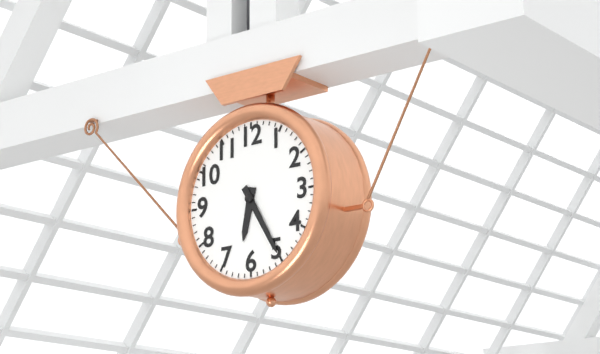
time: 6:25
